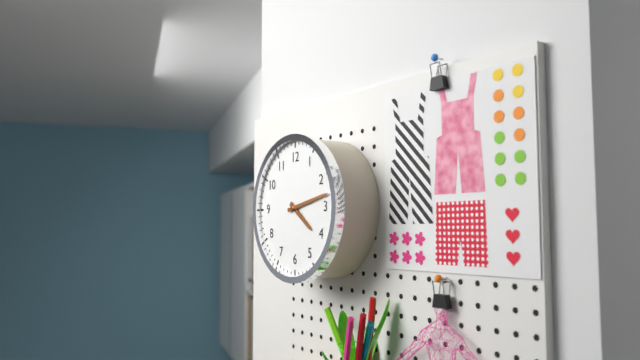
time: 4:13
